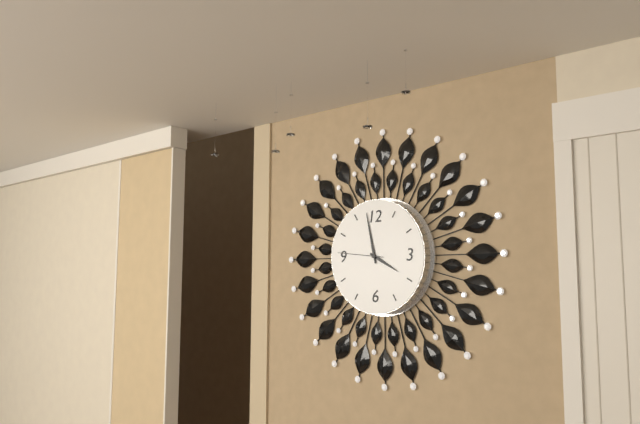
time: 3:58
